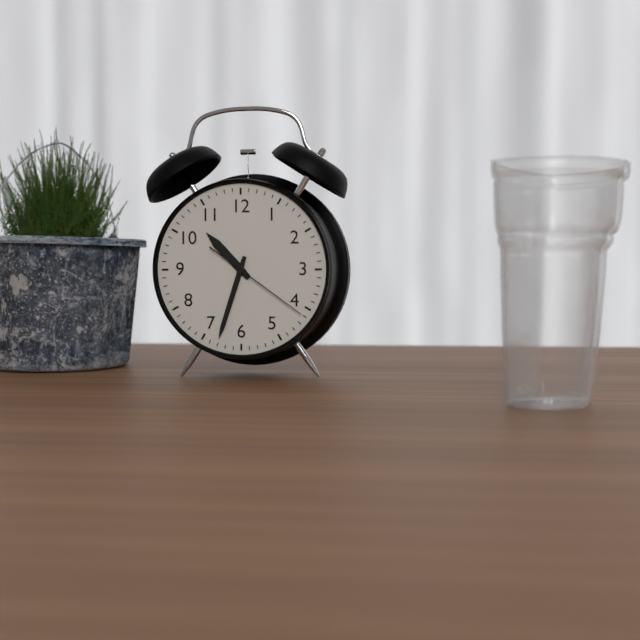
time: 10:33:21
